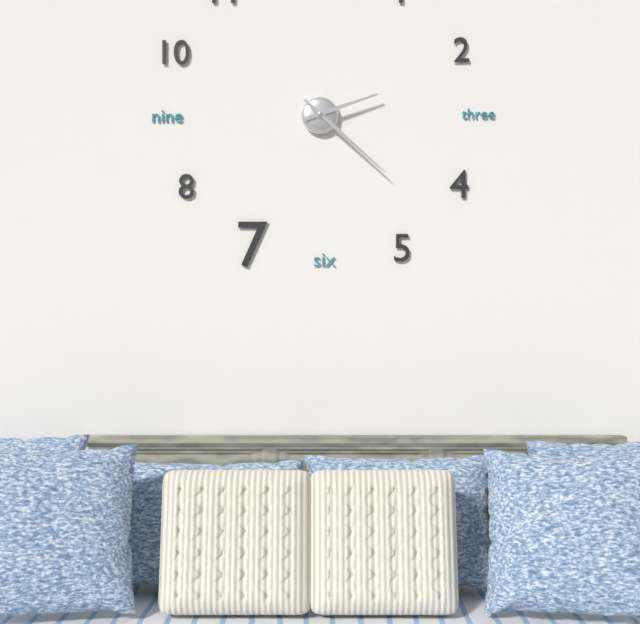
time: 2:22
